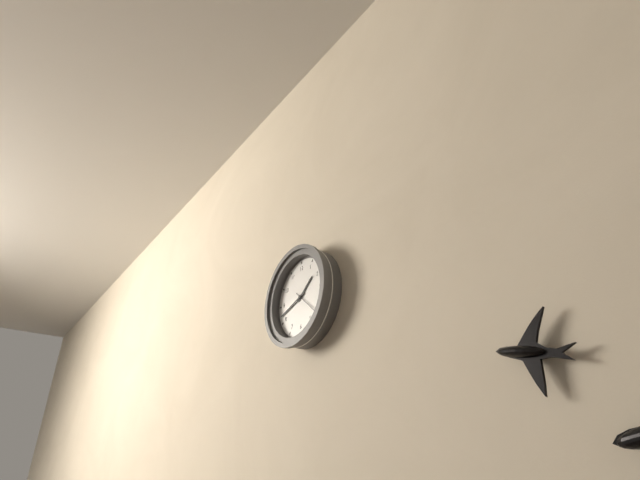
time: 1:42
